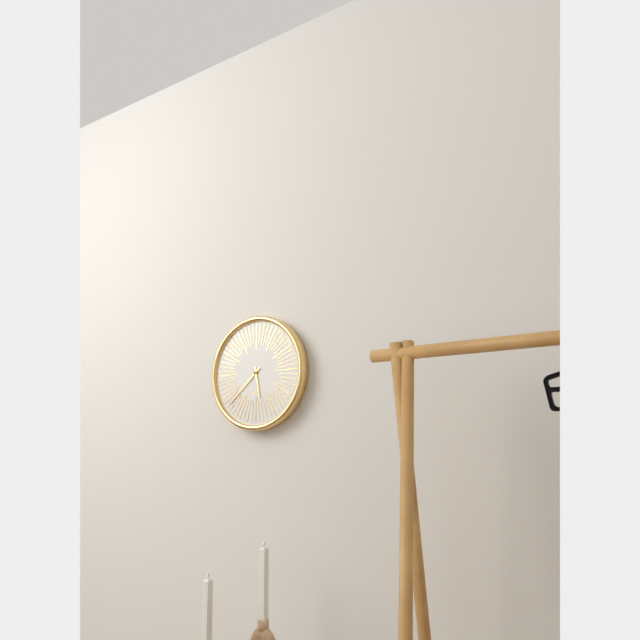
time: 5:38
